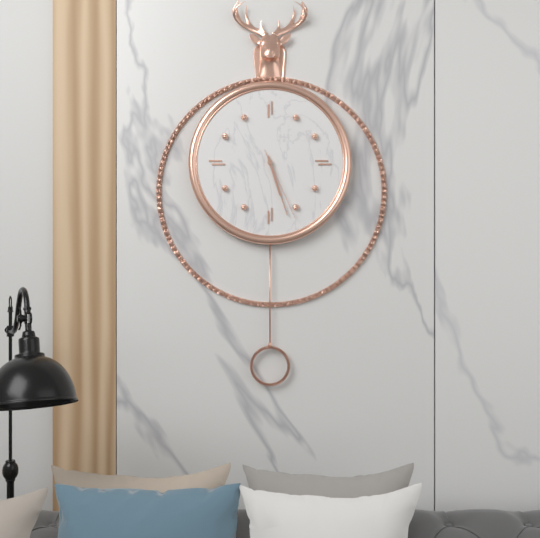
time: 5:27:26
